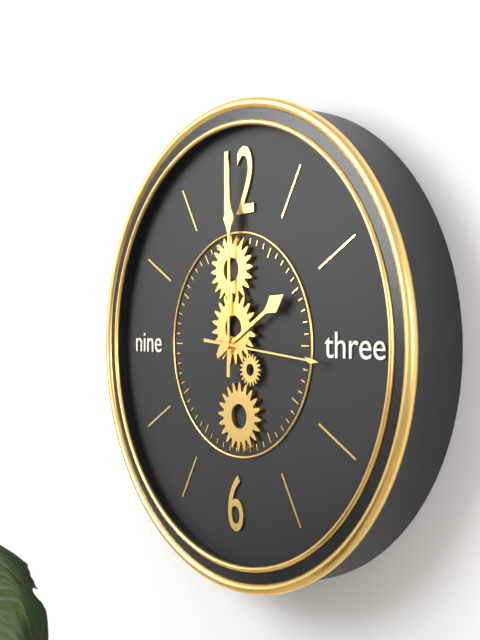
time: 2:00:16
